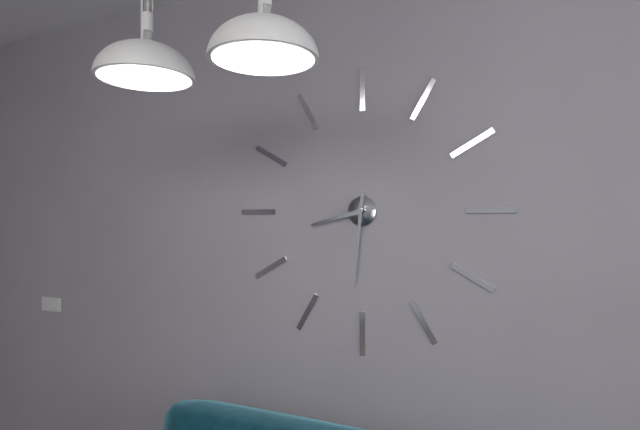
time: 8:31
